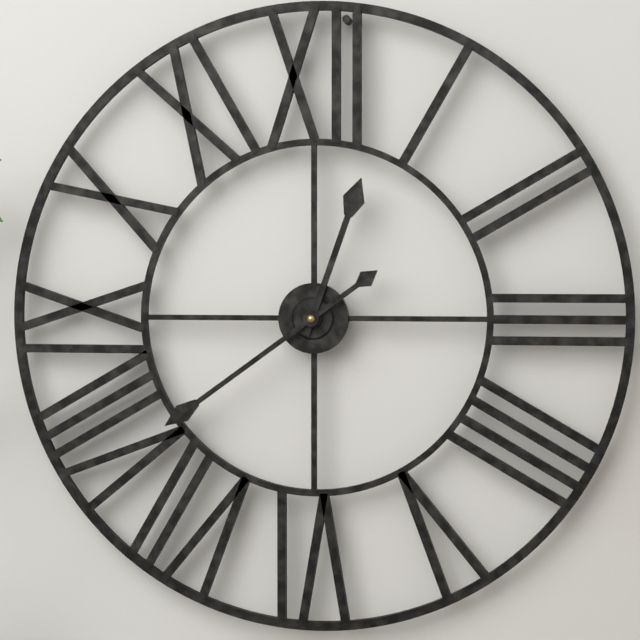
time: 12:39
